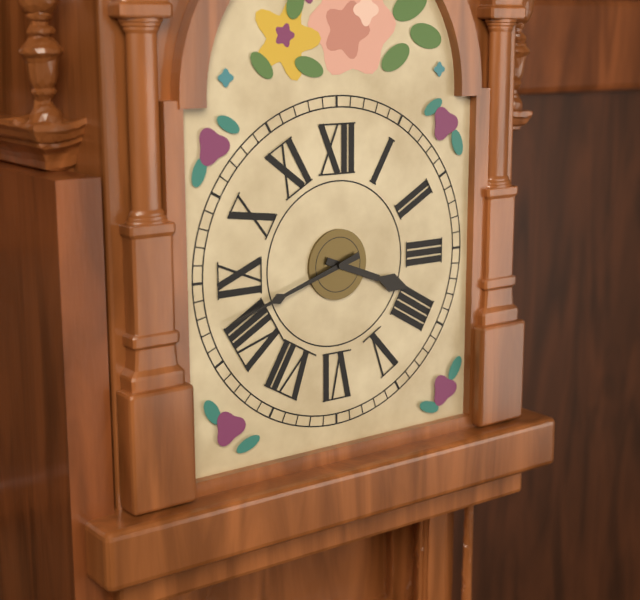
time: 3:42
